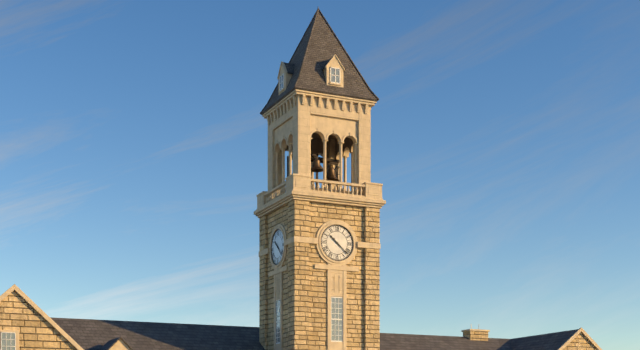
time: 10:22
